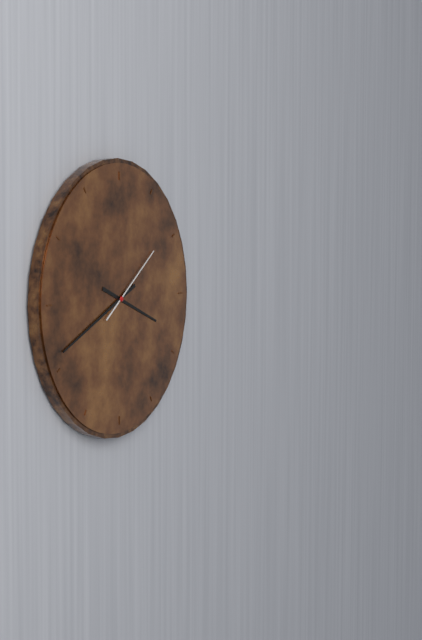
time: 3:41:09
